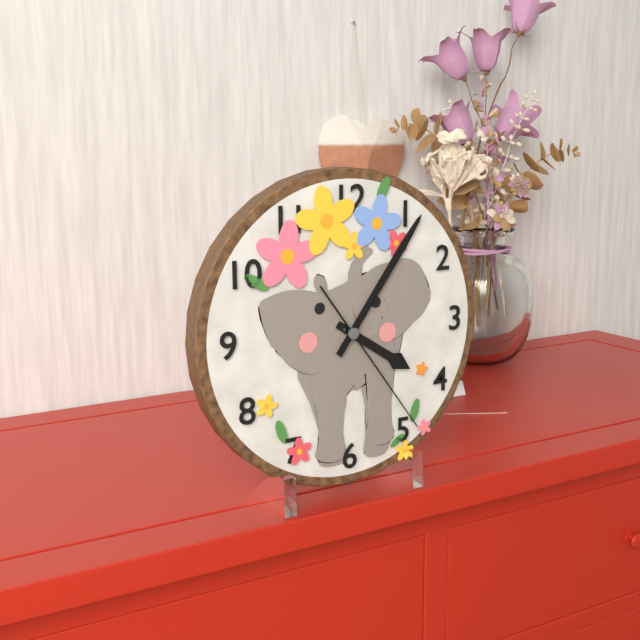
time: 4:06:24
